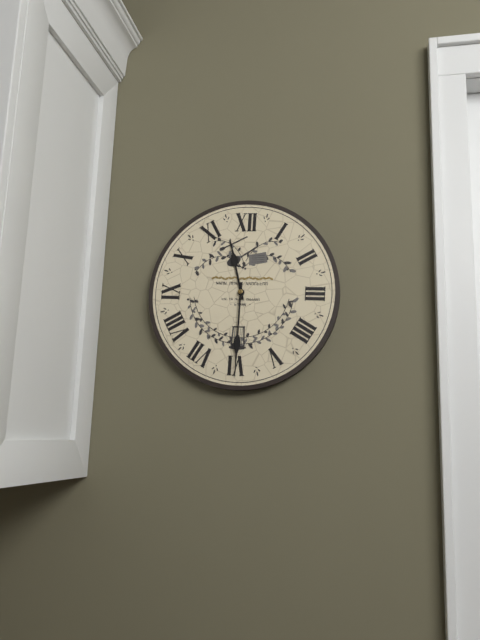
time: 11:30
